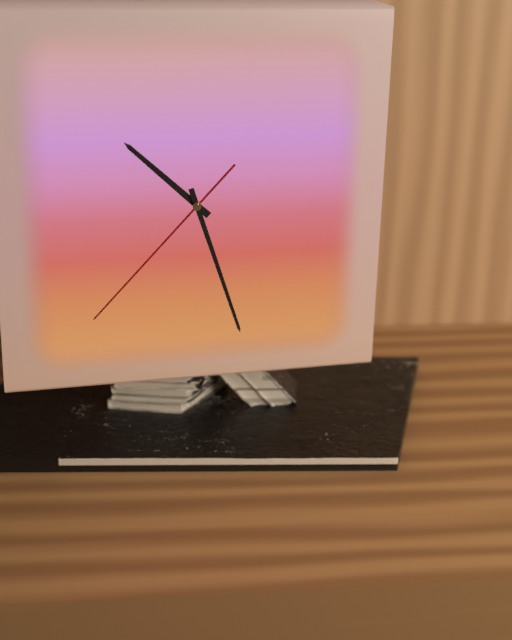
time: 10:27:37
